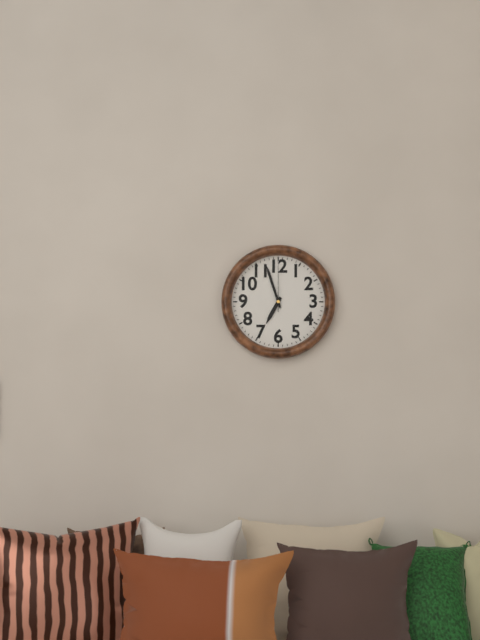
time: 6:57:00
